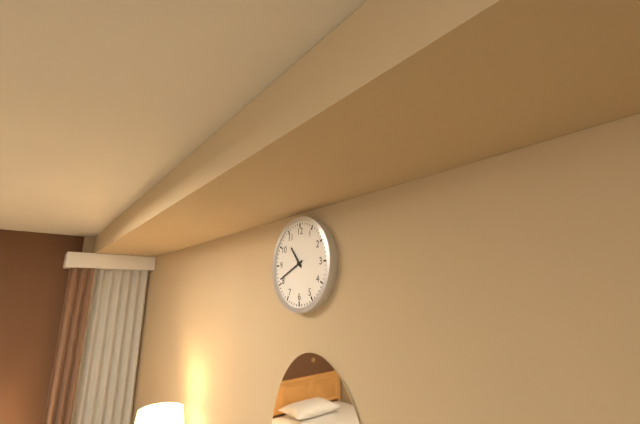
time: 10:41
